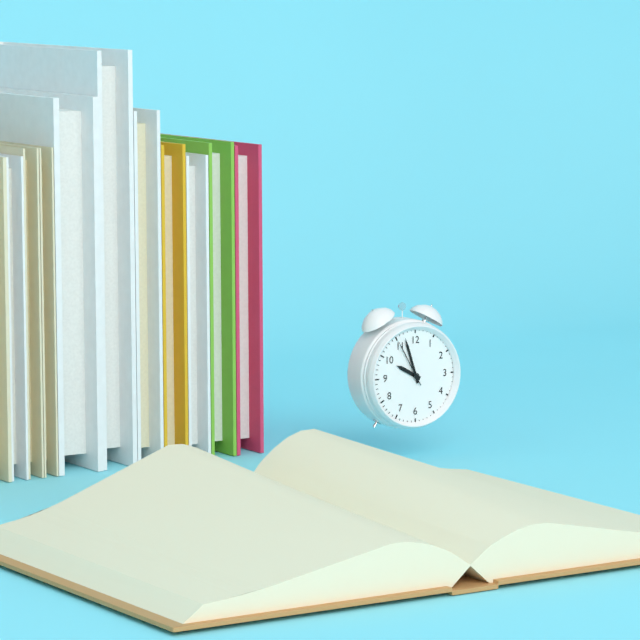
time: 9:57:55
